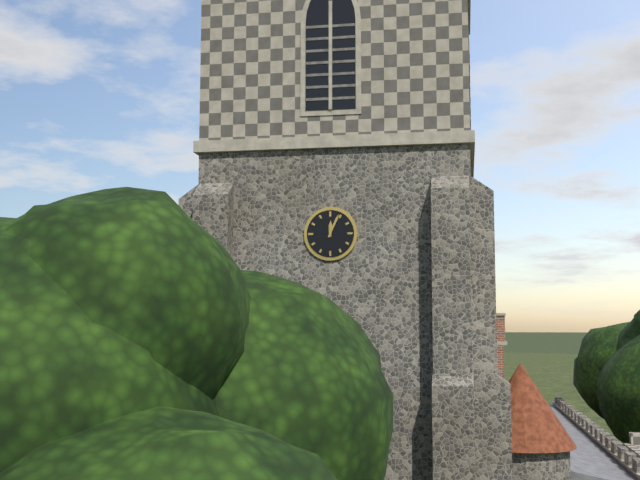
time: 12:04
